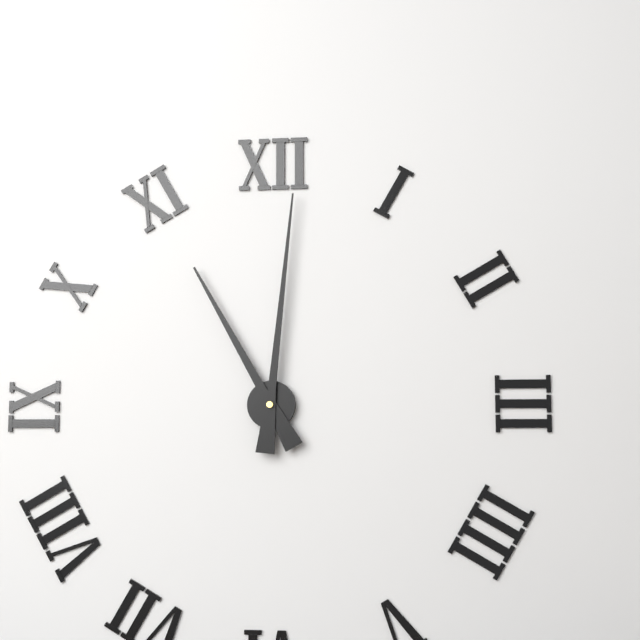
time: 11:01
